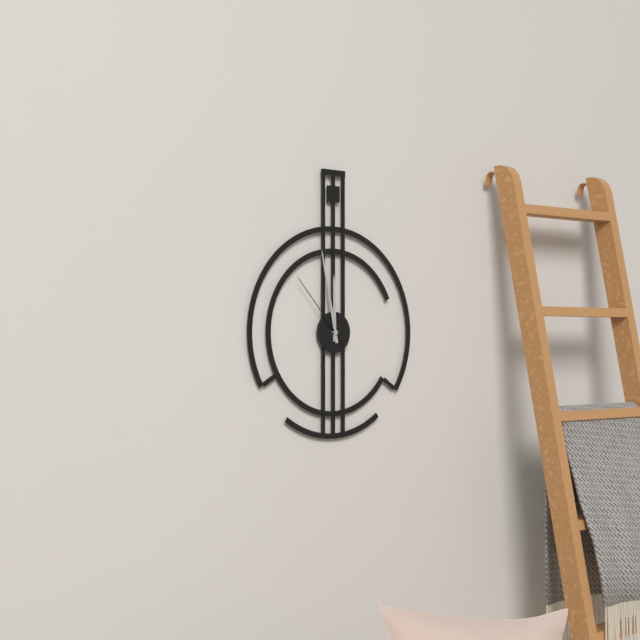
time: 11:58:53
